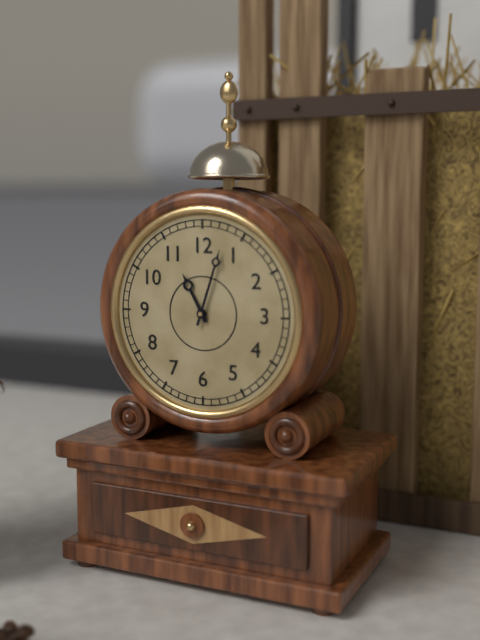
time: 11:03
